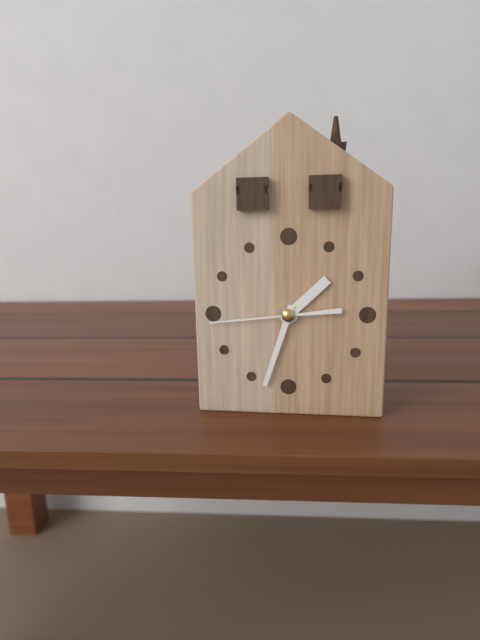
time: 1:33:44
